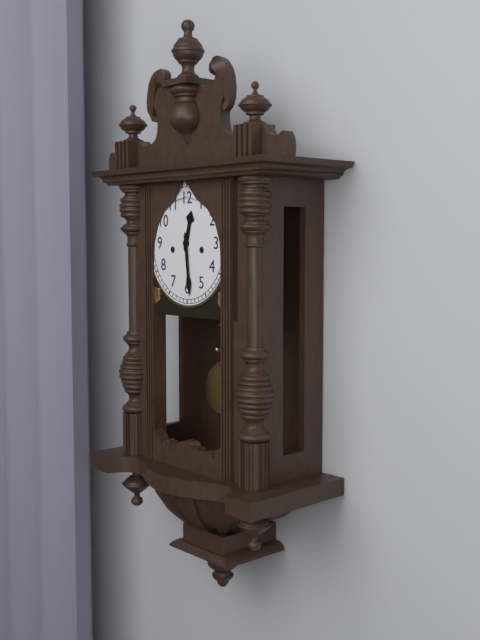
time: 12:29
